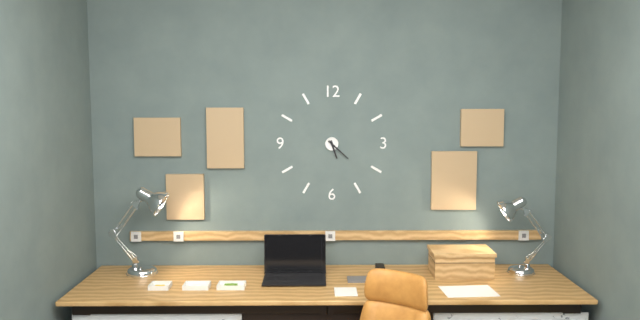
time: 5:22
